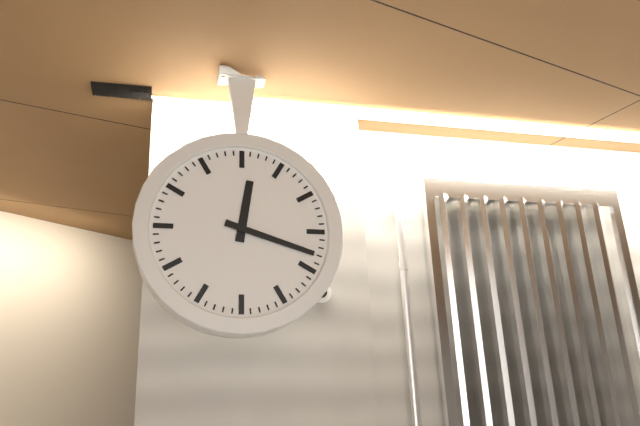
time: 12:18
